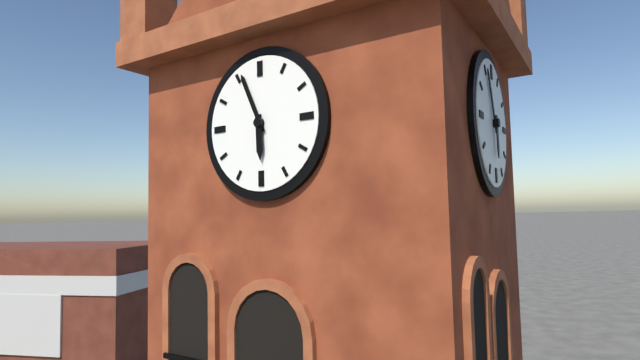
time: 5:56
